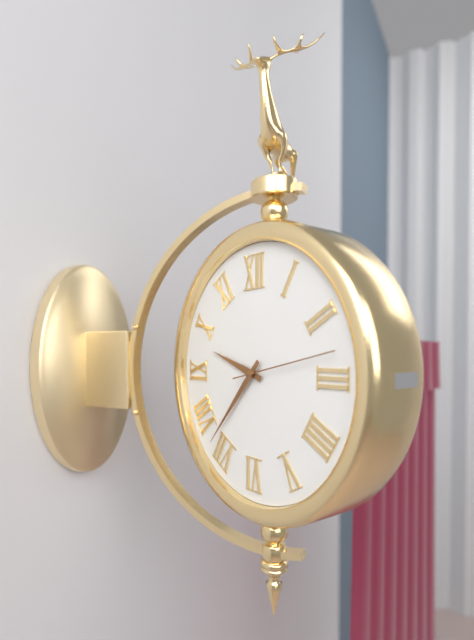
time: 9:37:13
